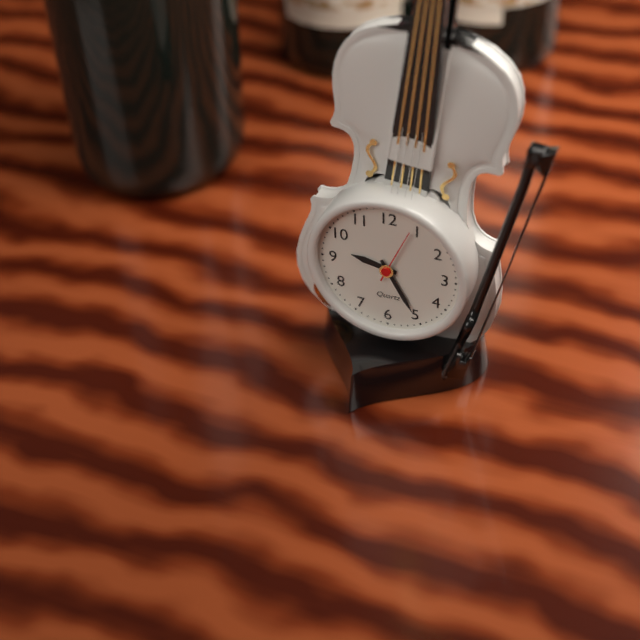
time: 9:25:04
